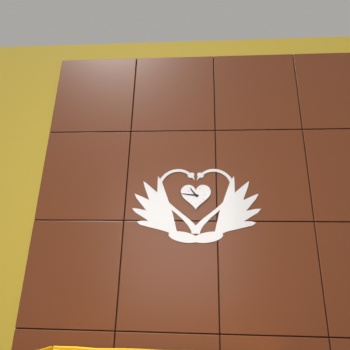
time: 10:46
